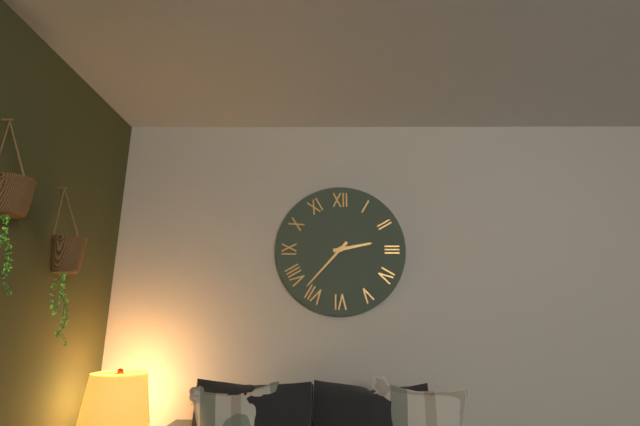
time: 2:37
